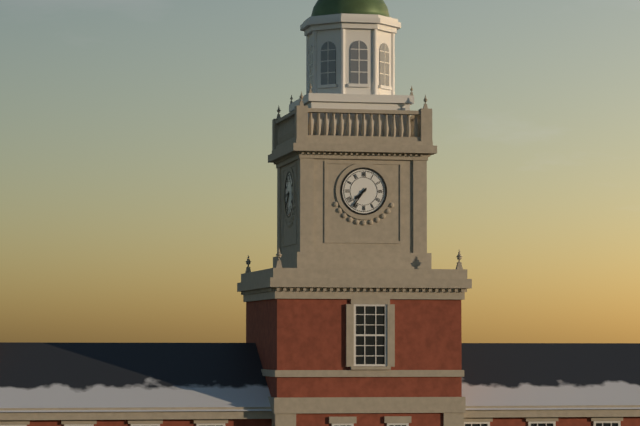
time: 7:36
